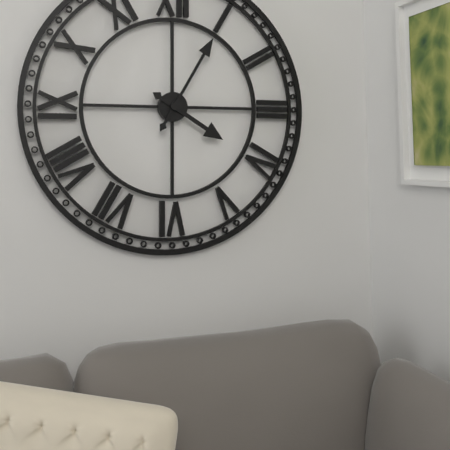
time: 4:05
